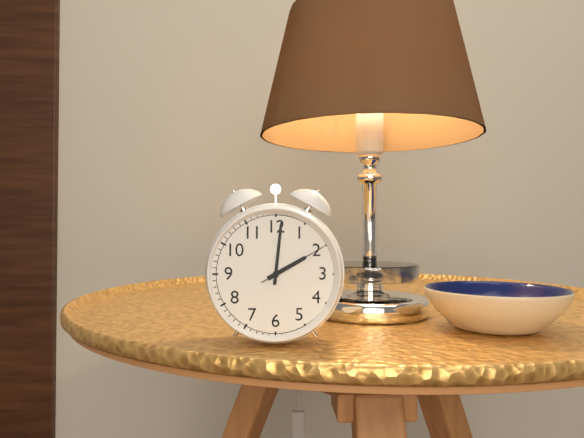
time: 2:01:10
